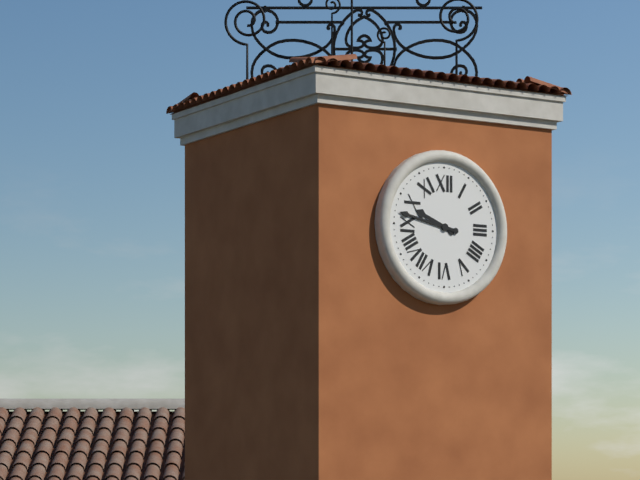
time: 9:47
